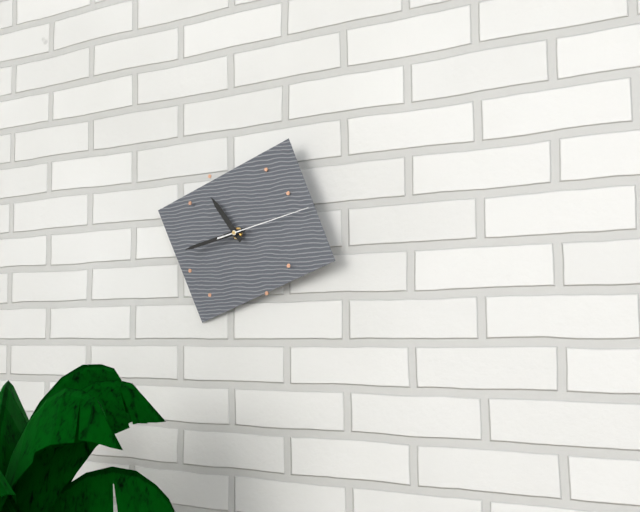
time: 10:43:13
